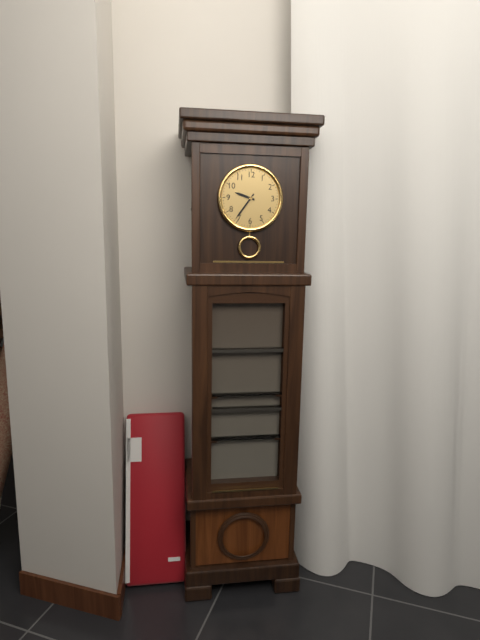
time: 9:36
